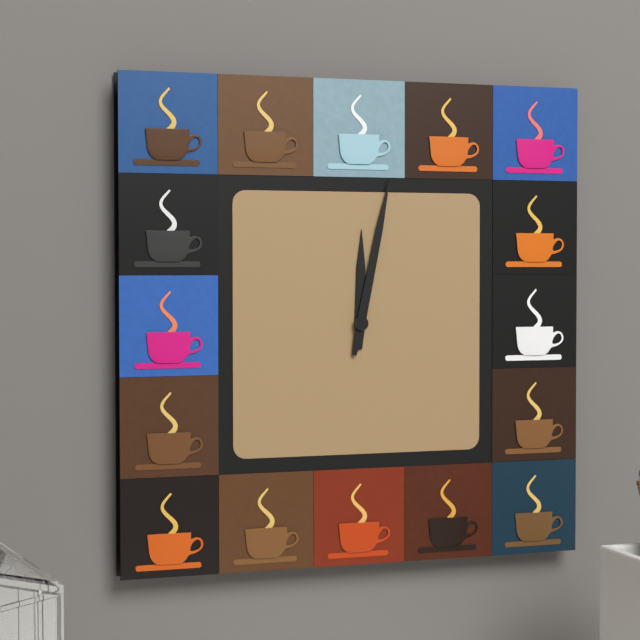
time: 12:02
